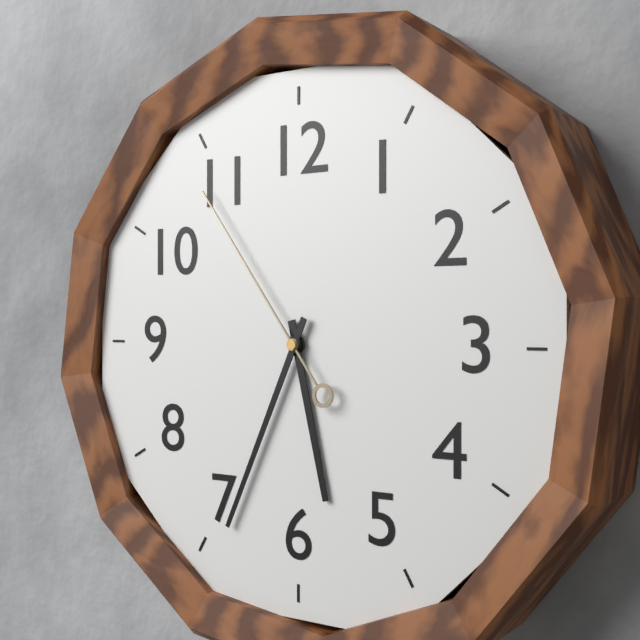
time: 5:34:54
